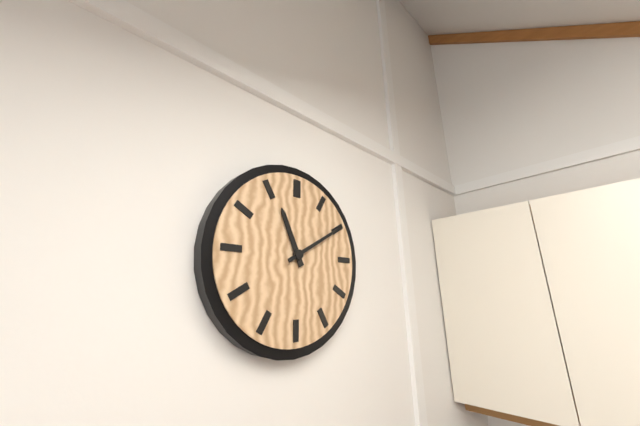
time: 11:10
